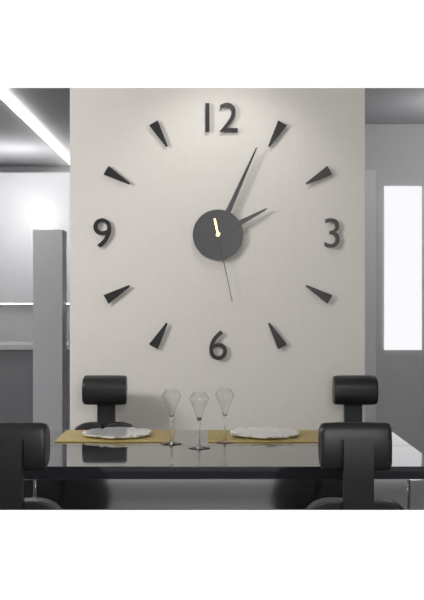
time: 2:04:28
